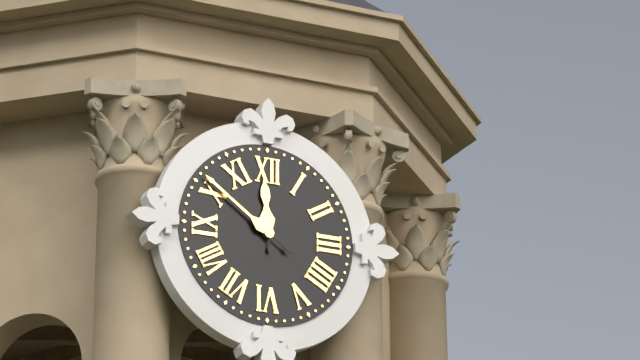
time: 11:51
